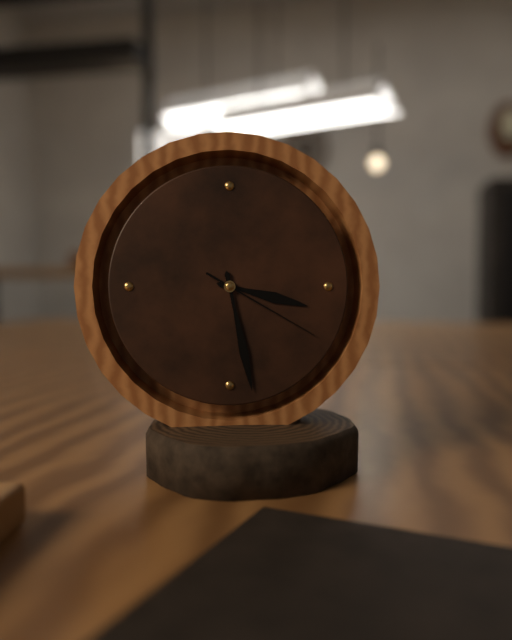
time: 3:28:20
